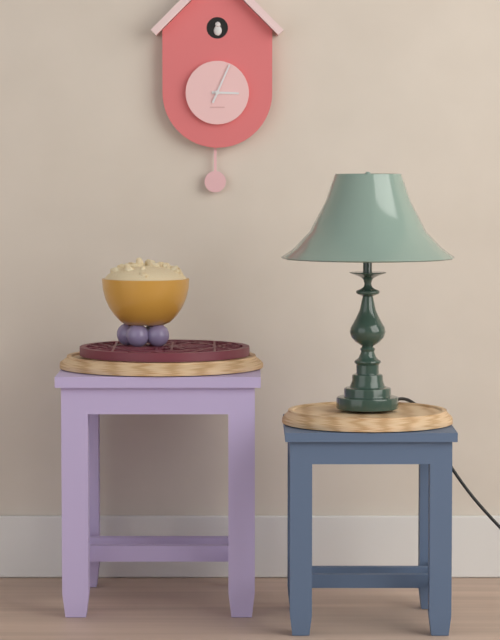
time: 3:04
